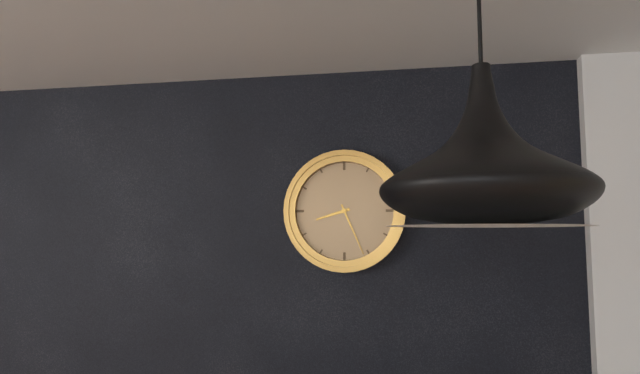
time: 8:26
